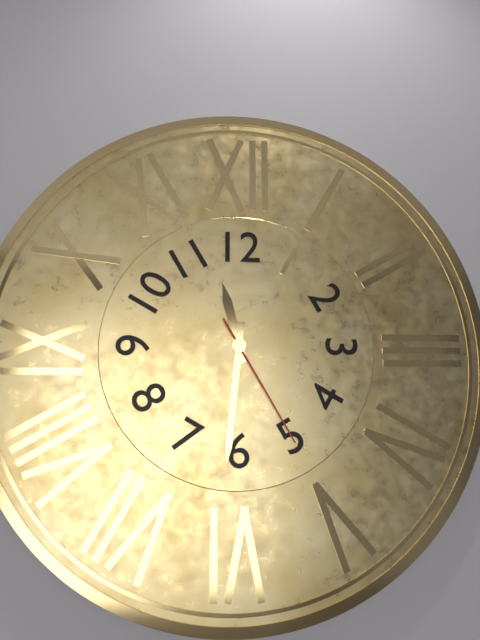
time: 11:31:25
